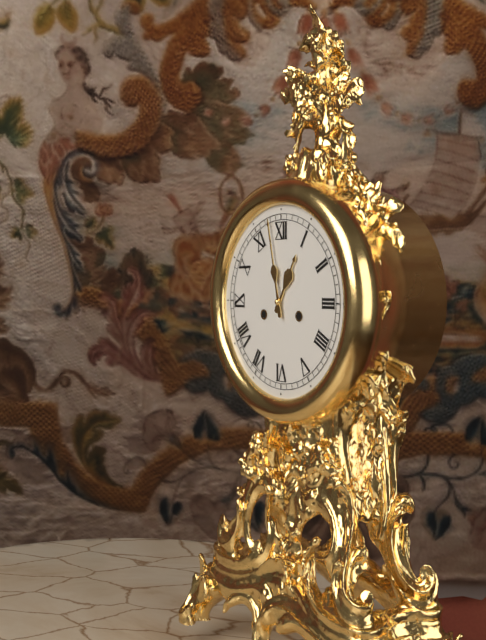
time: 12:58
